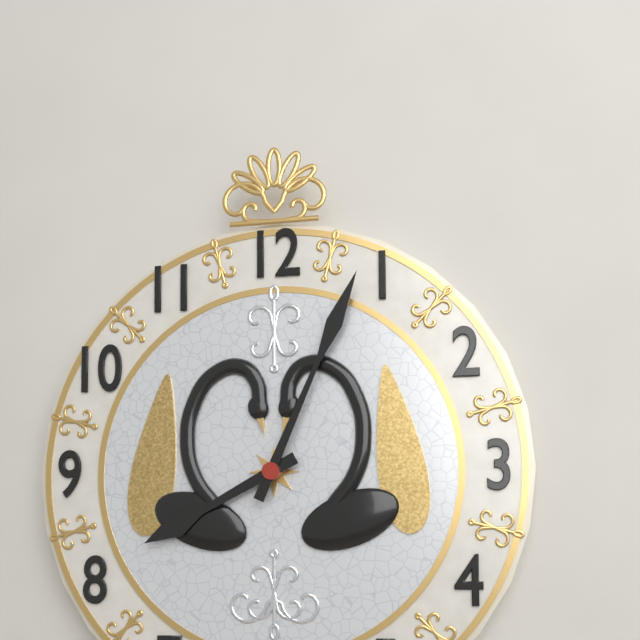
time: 8:04
